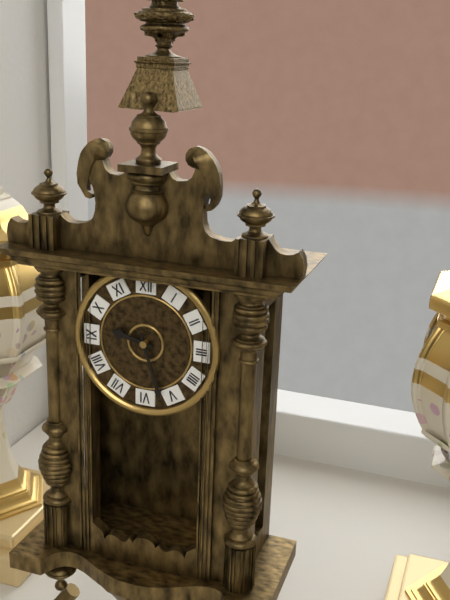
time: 9:27
